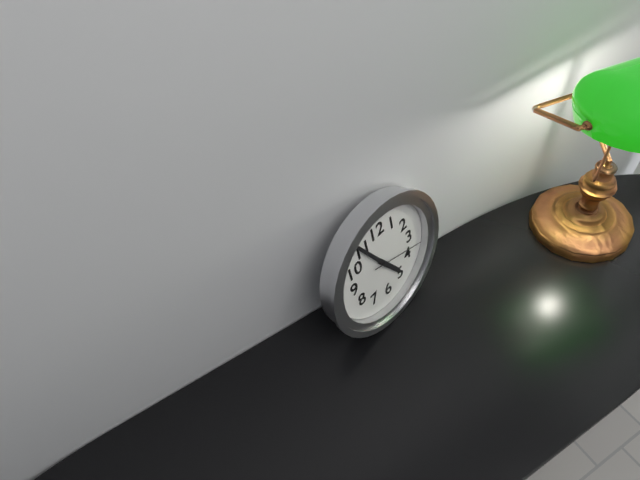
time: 4:55:18
